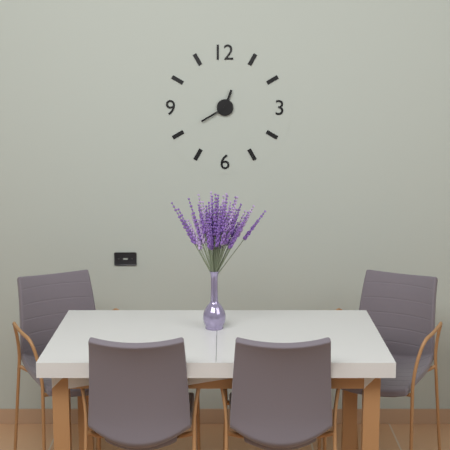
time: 12:40
